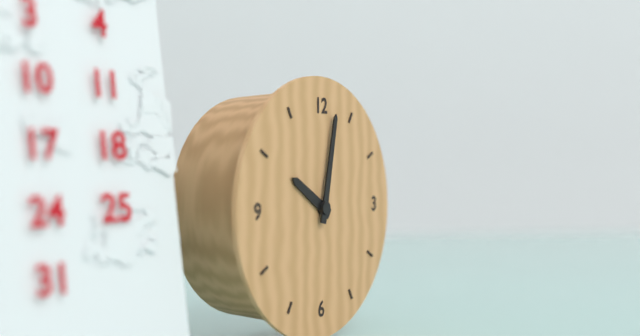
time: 10:02
